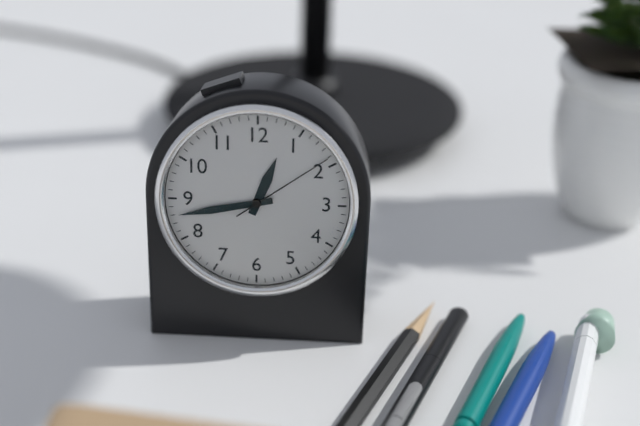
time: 12:43:09
